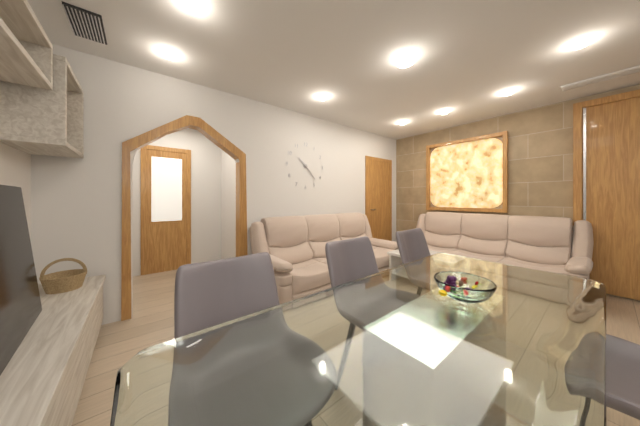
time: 10:23
